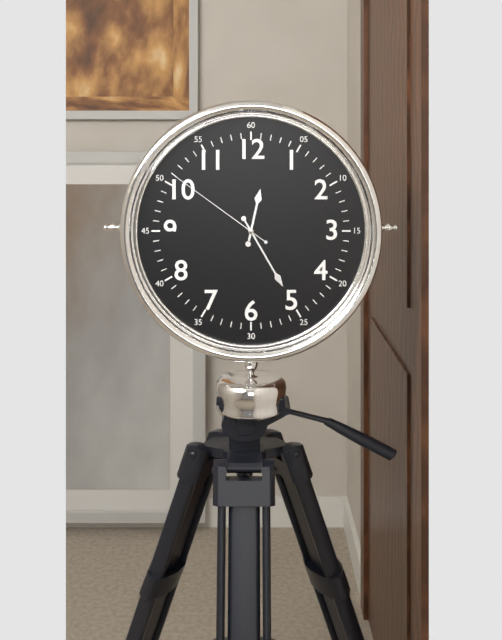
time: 12:25:51
